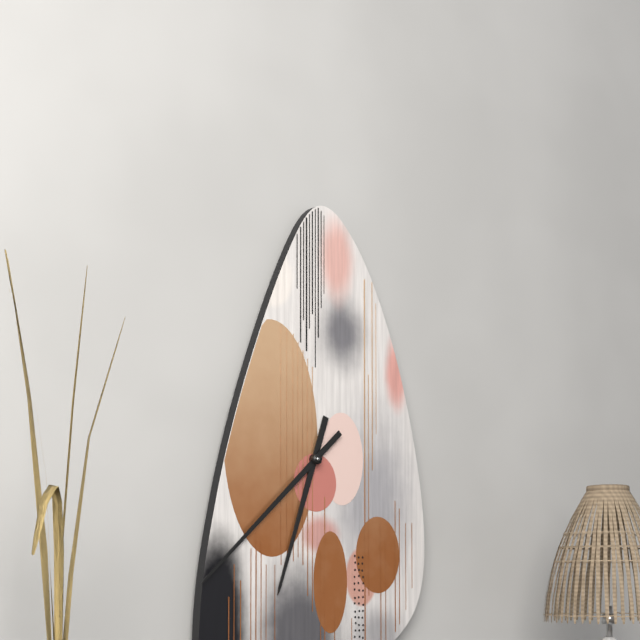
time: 6:38
